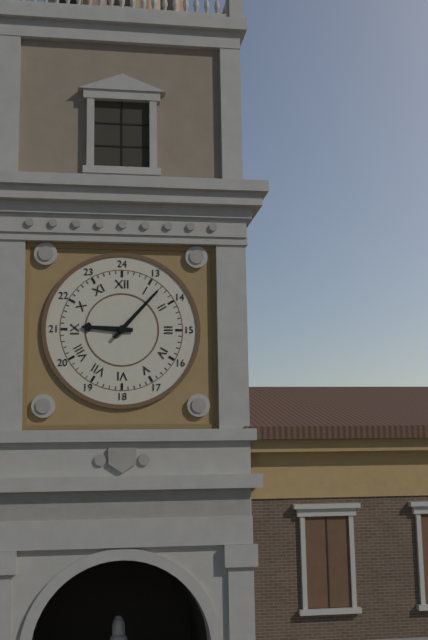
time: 9:07
